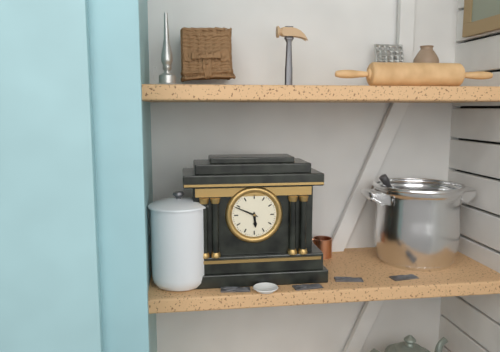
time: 5:49
